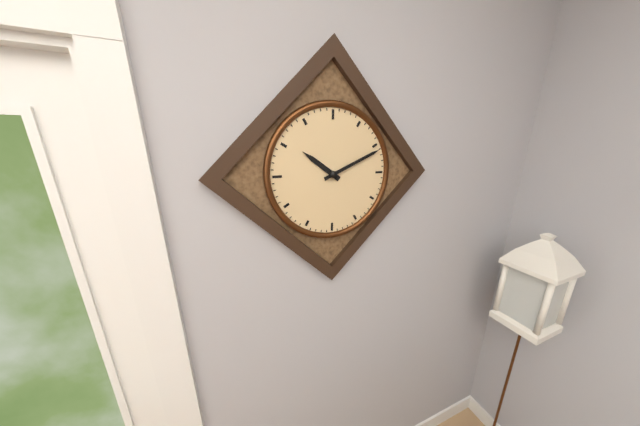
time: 10:11
